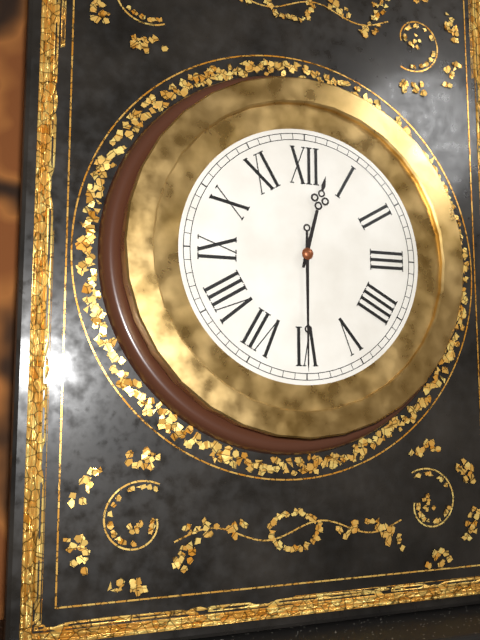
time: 12:30
